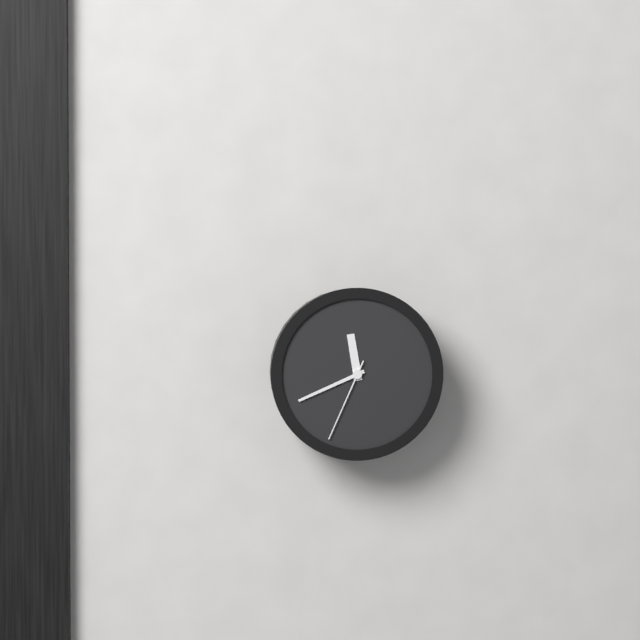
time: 11:41:34
